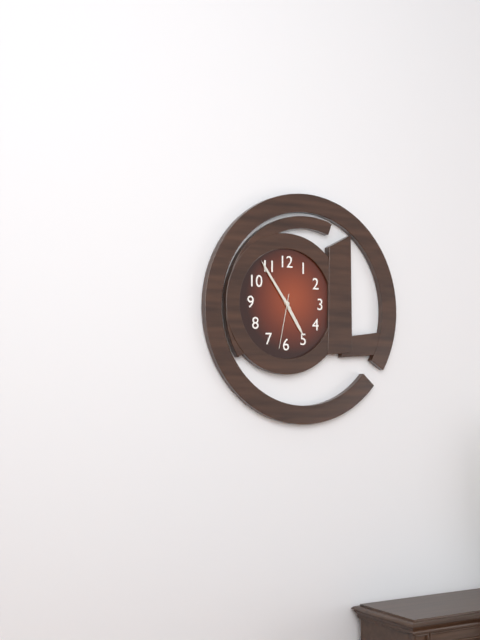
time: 4:54:32
